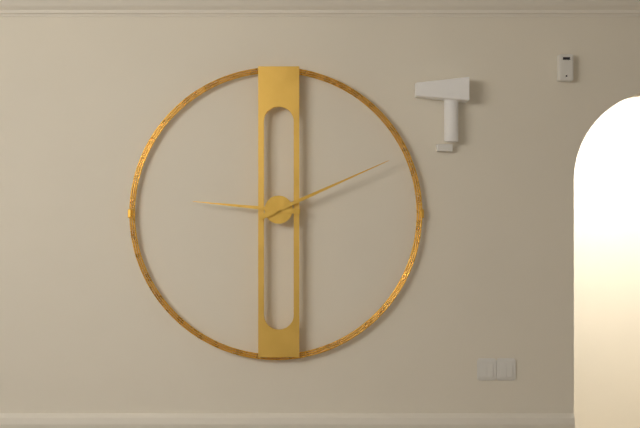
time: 9:11
